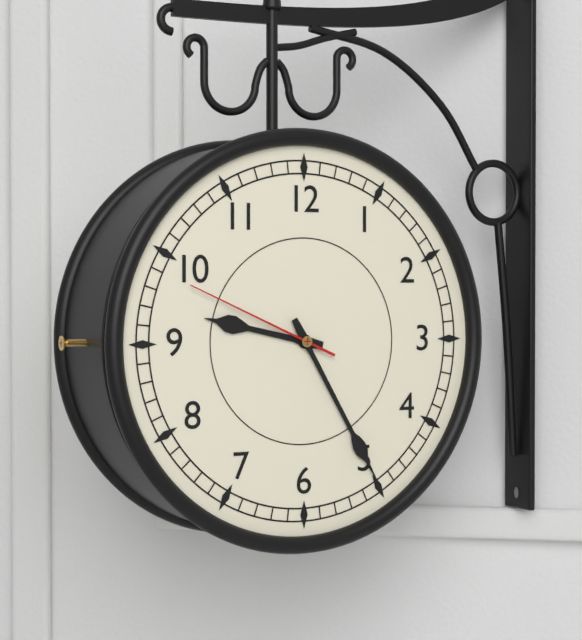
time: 9:25:49
